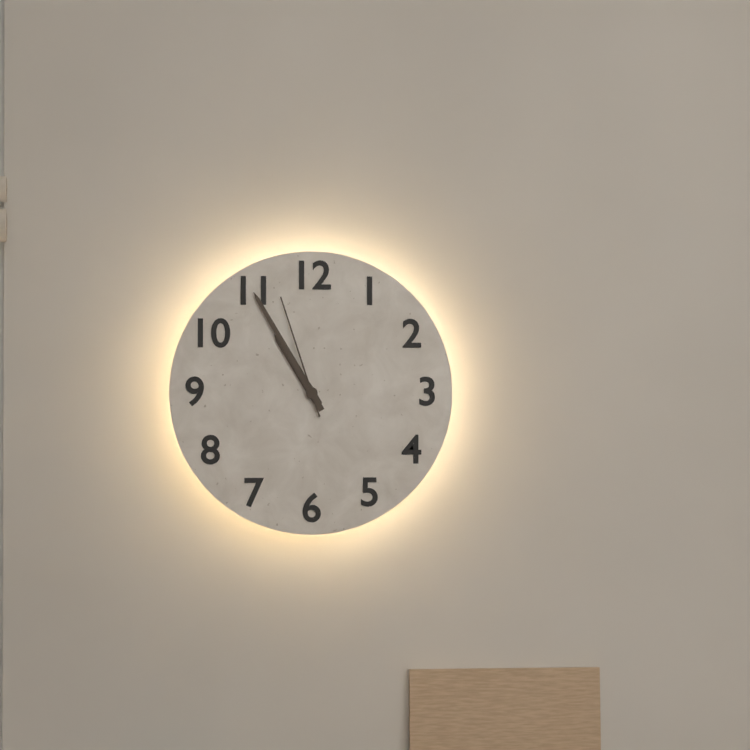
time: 10:55:57
